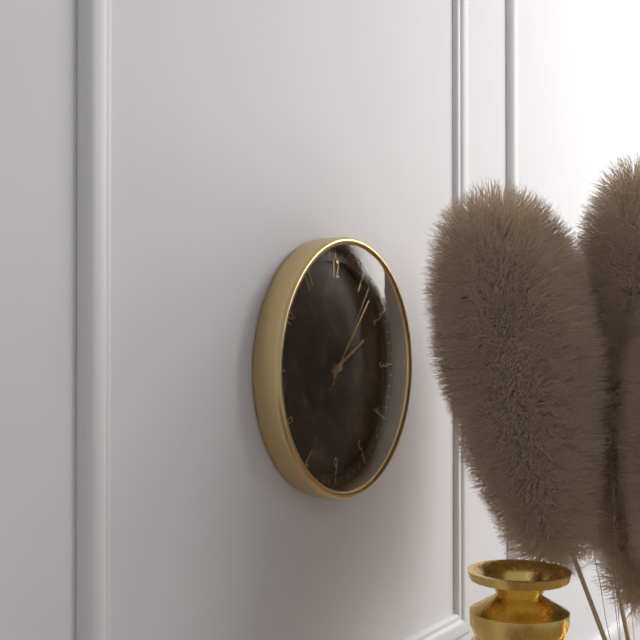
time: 2:07:06
